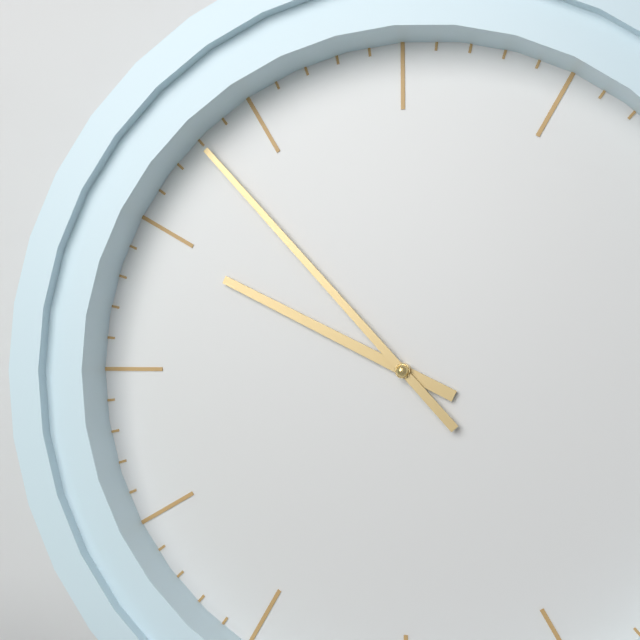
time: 9:53
